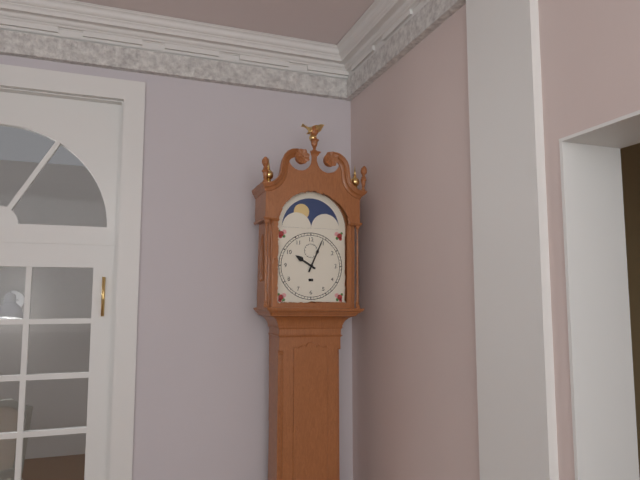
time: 10:04
